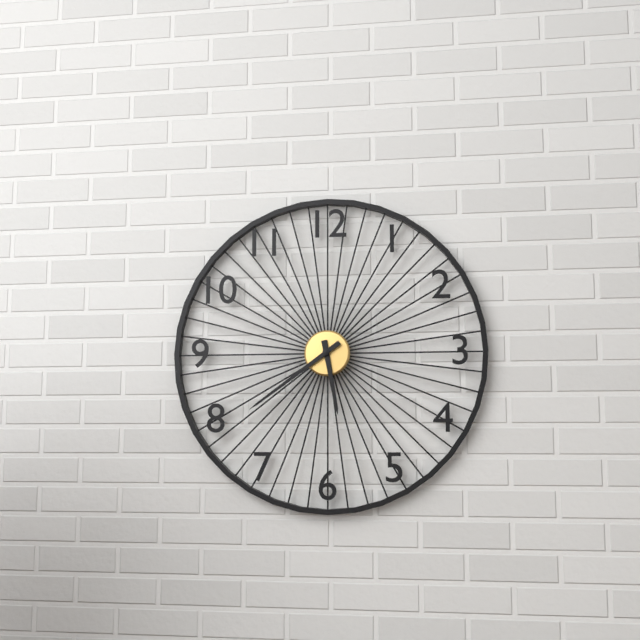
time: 5:39
